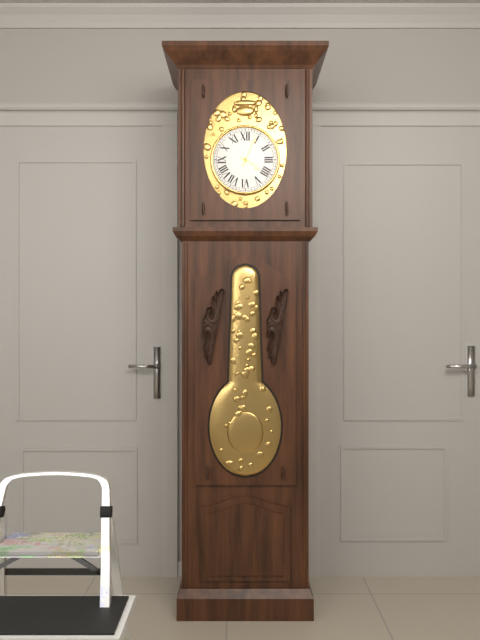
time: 4:04
